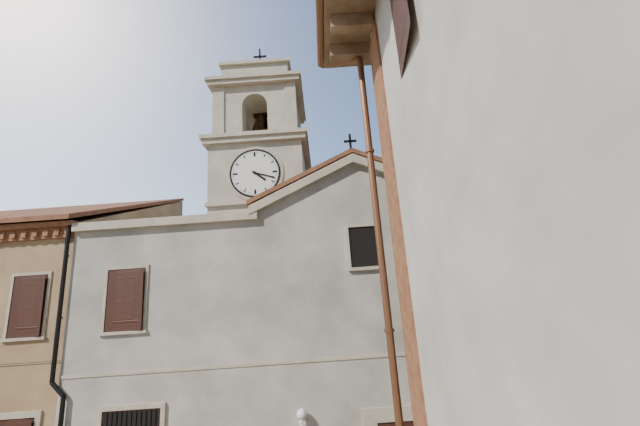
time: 4:18
